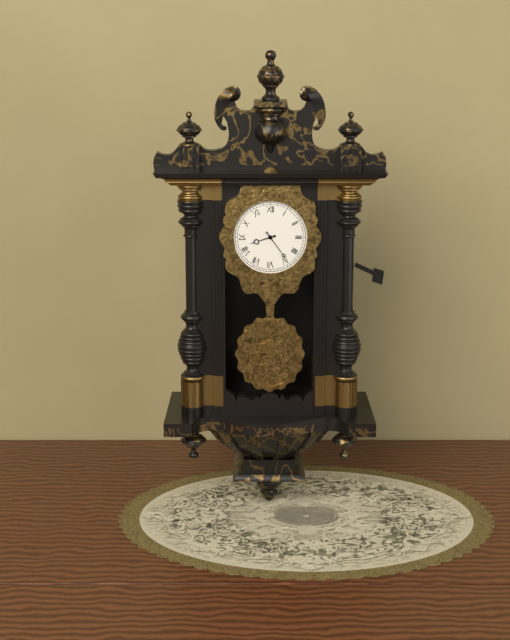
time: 8:24
